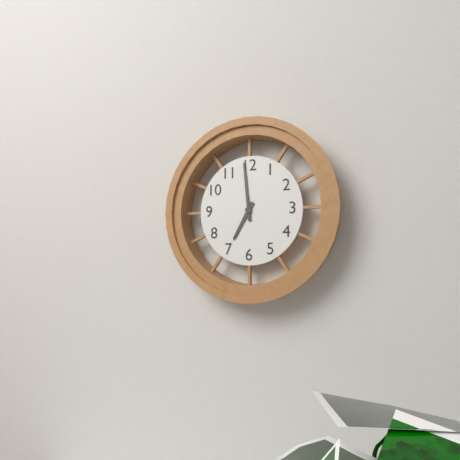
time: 6:59
